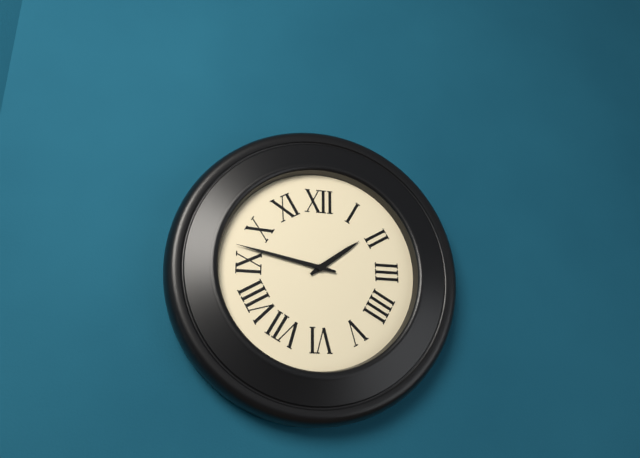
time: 1:47
